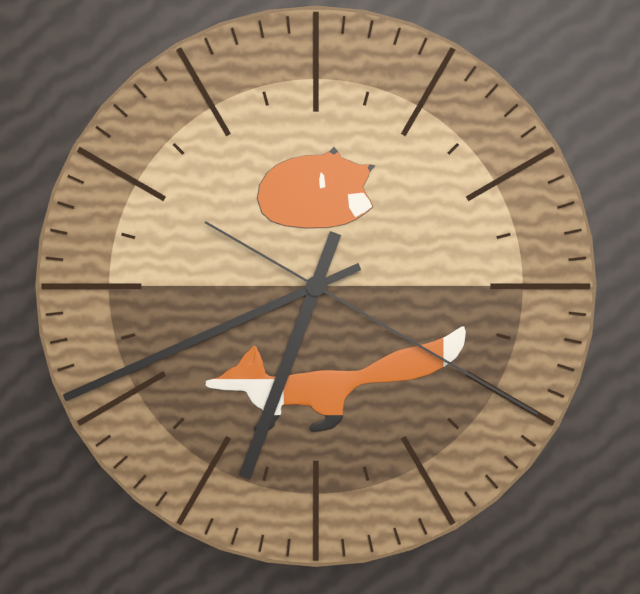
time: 6:41:20
